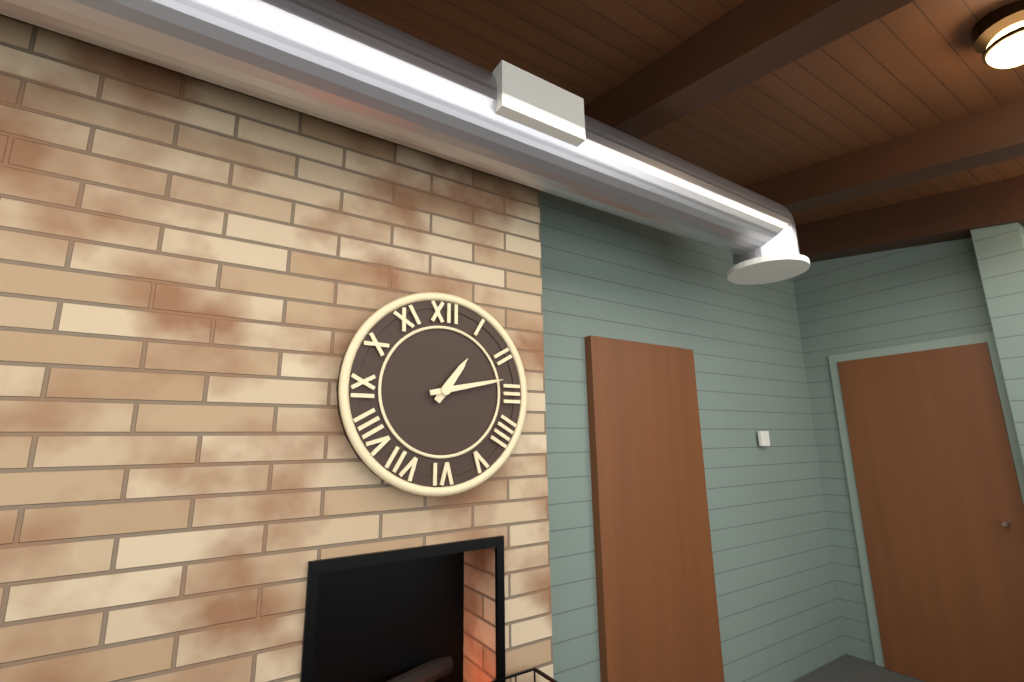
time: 1:13
